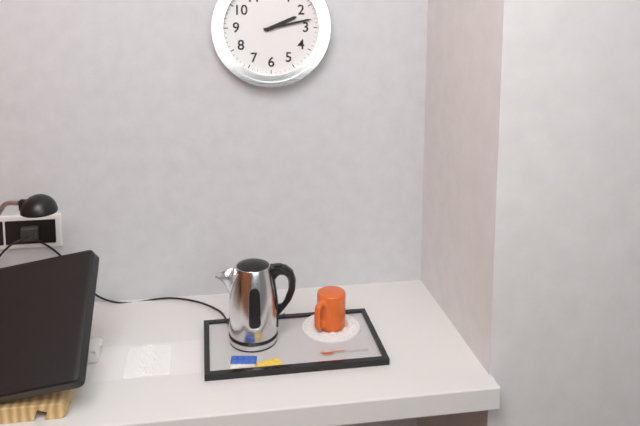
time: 2:13
